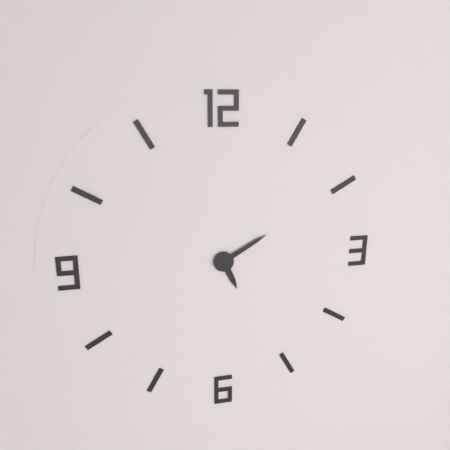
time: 5:10
